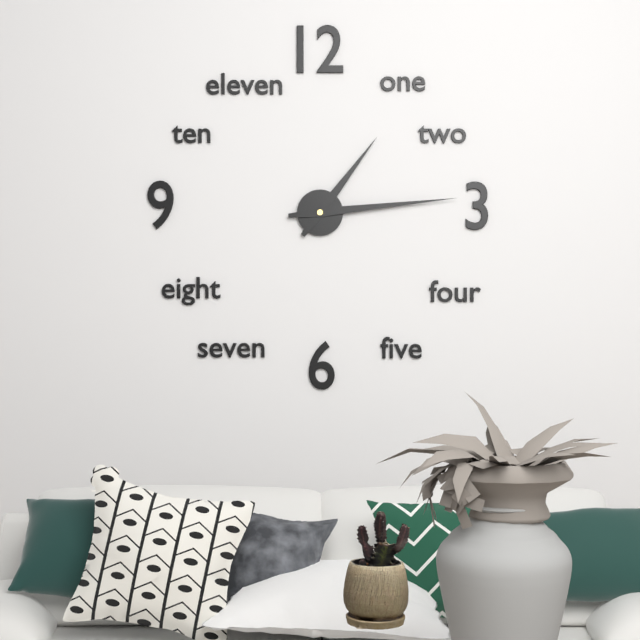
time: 1:14
